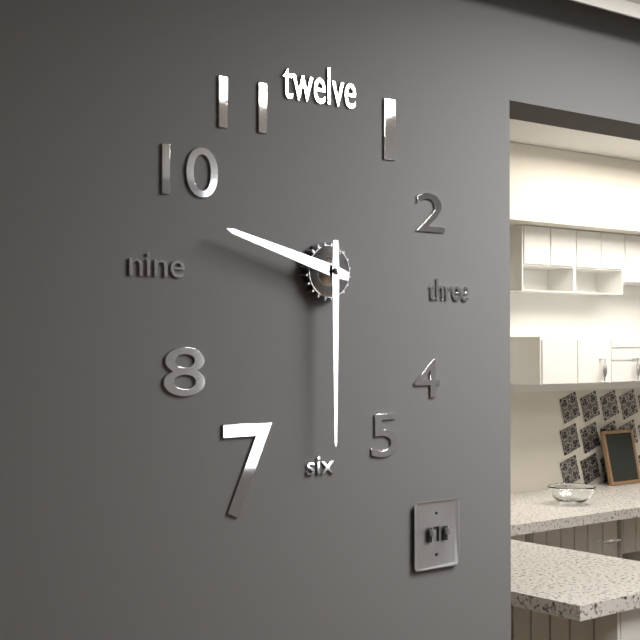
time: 9:30
